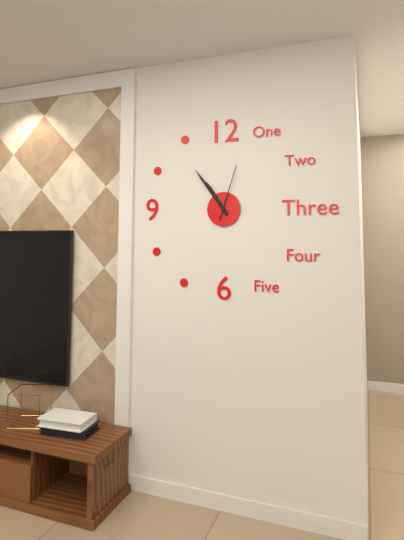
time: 10:54:03
